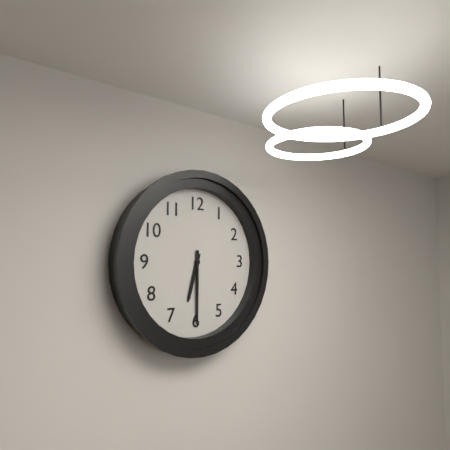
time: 6:30
